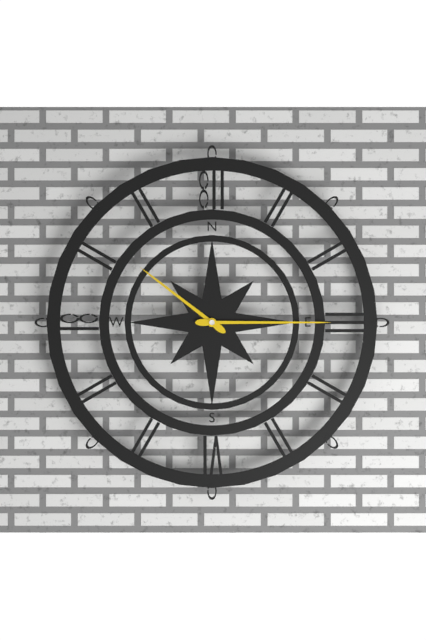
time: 10:15
